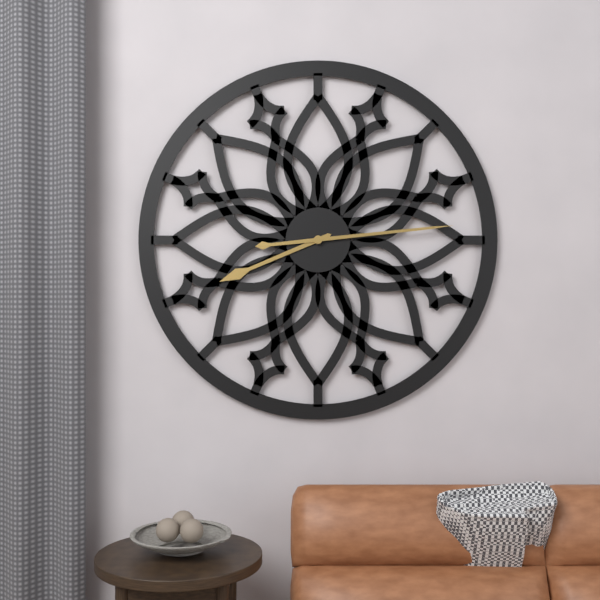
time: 8:14
